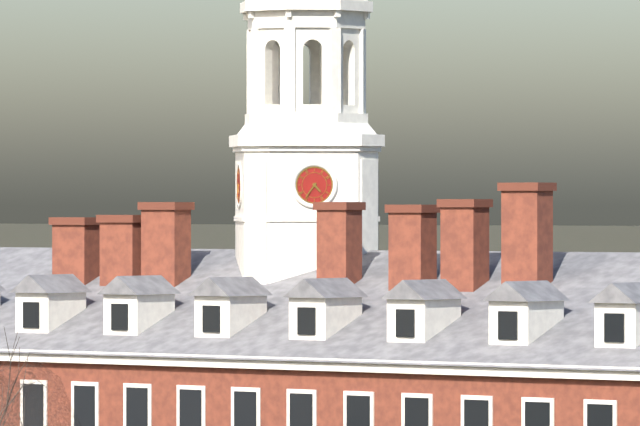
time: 4:36
